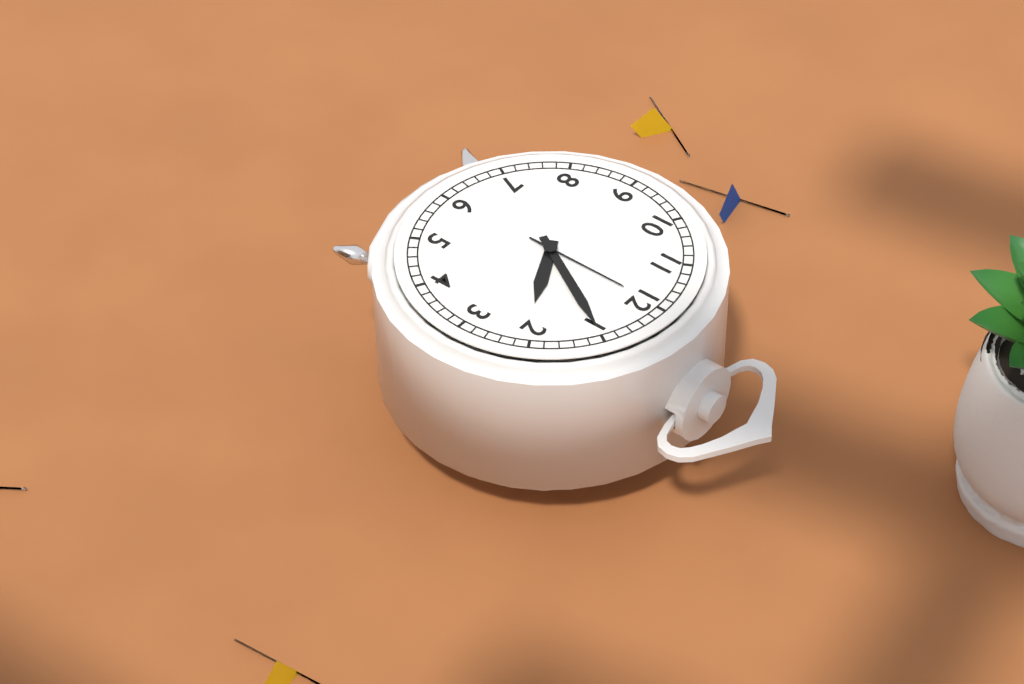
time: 2:05:00
